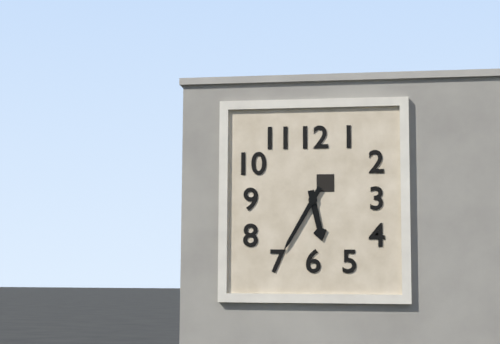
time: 5:35
